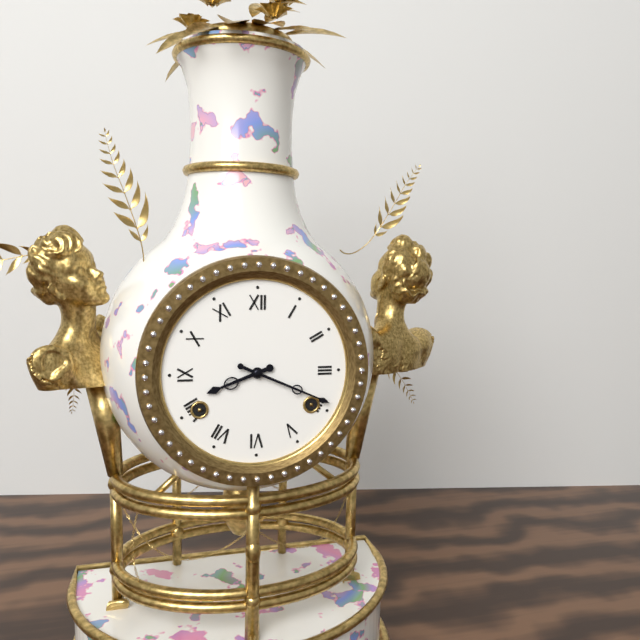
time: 8:19
